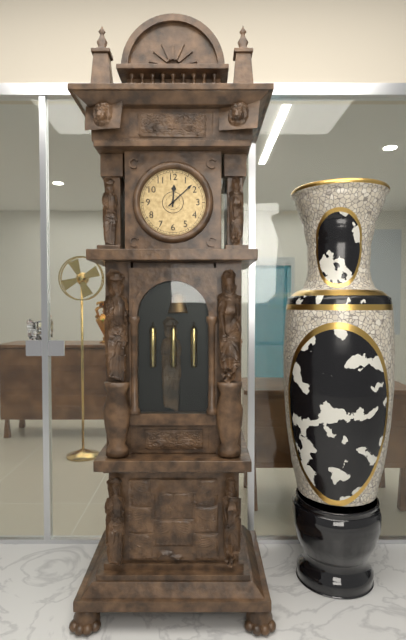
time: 12:08
